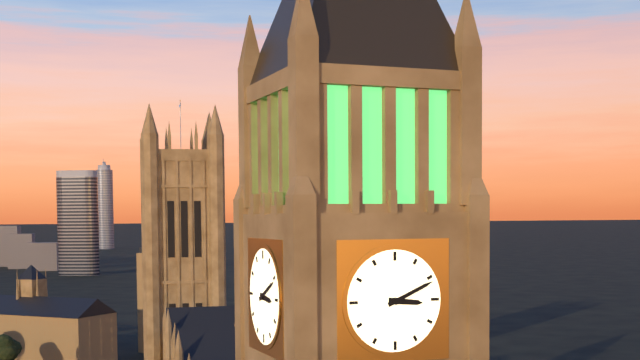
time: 3:11
